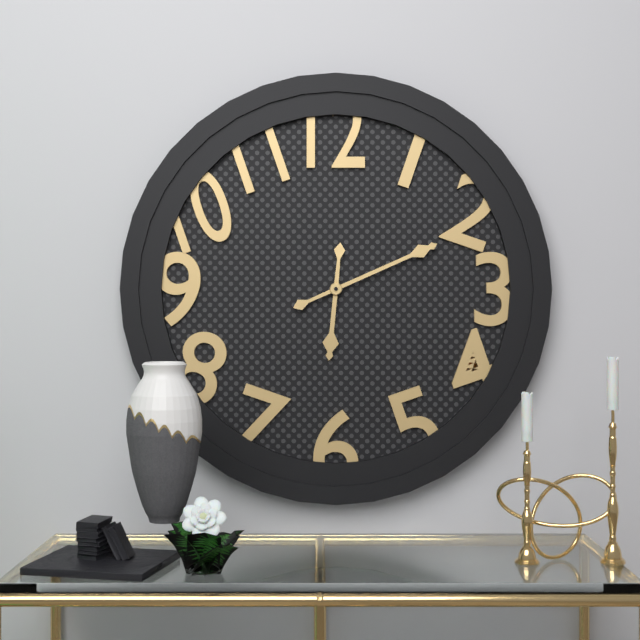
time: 6:11
